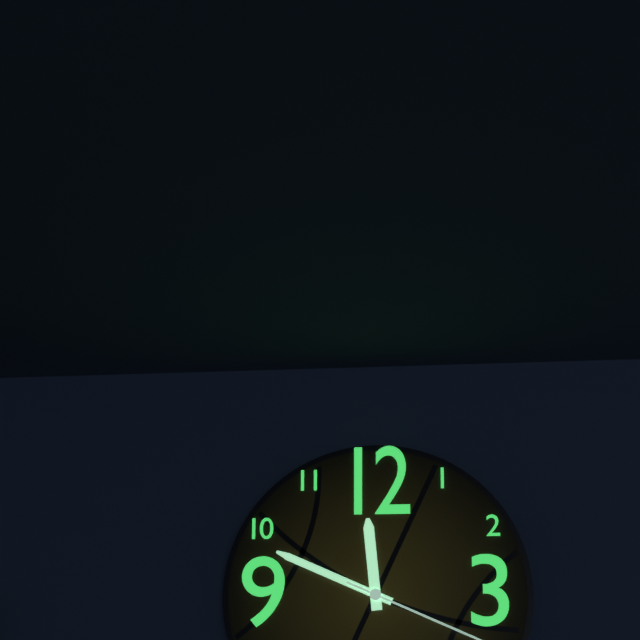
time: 11:49
